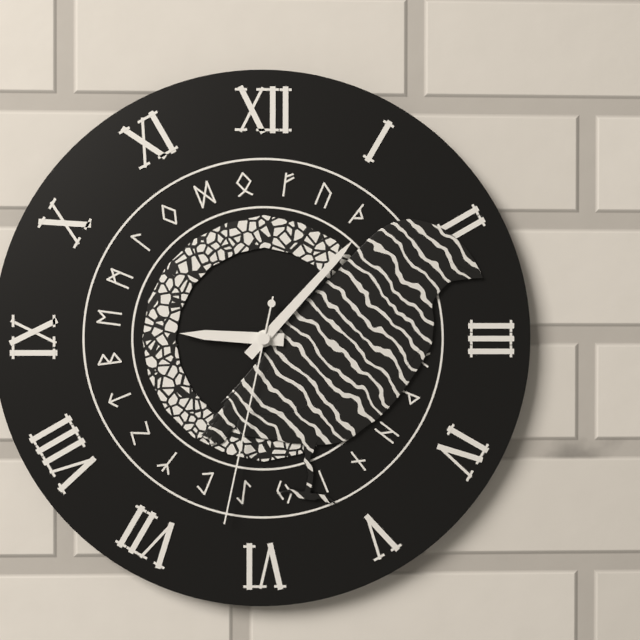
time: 9:07:32
